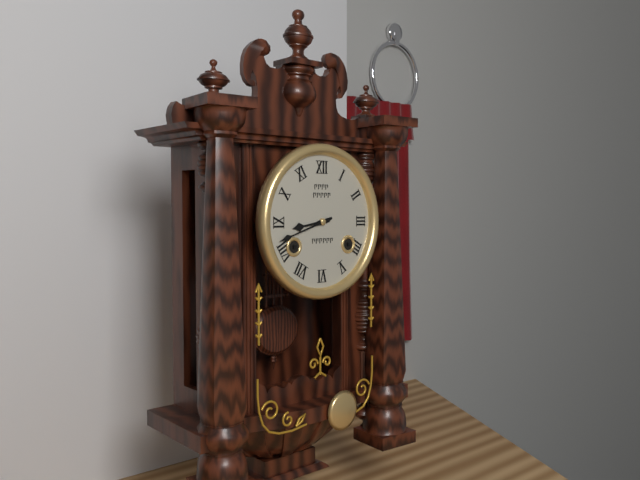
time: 8:42
